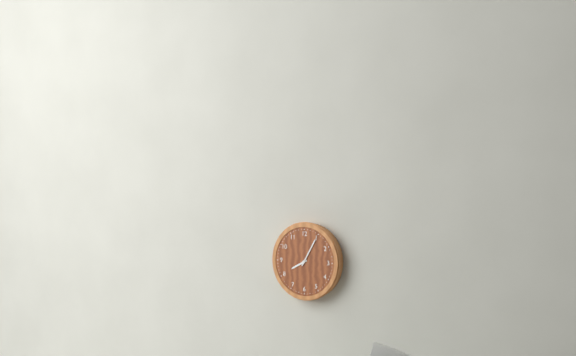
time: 8:05
